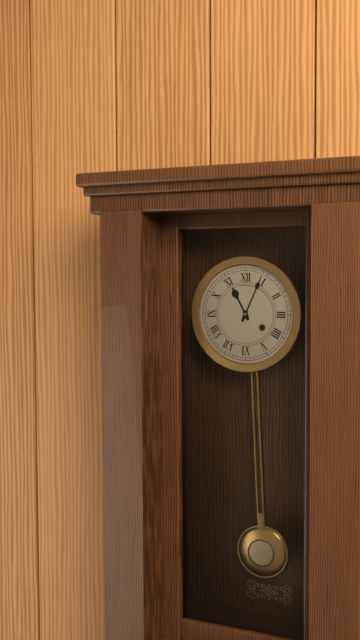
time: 11:04
